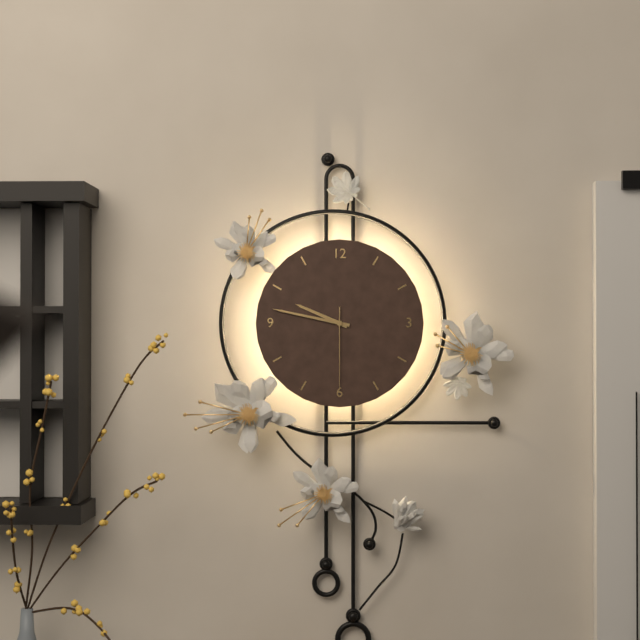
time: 9:47:30
